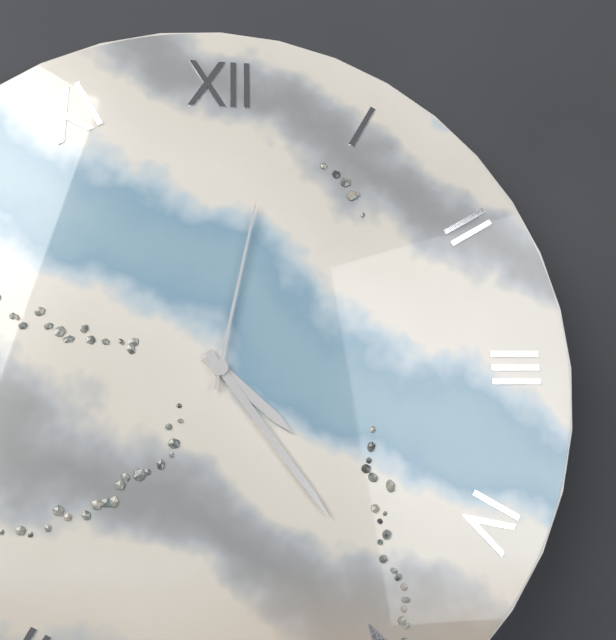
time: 4:24:02
